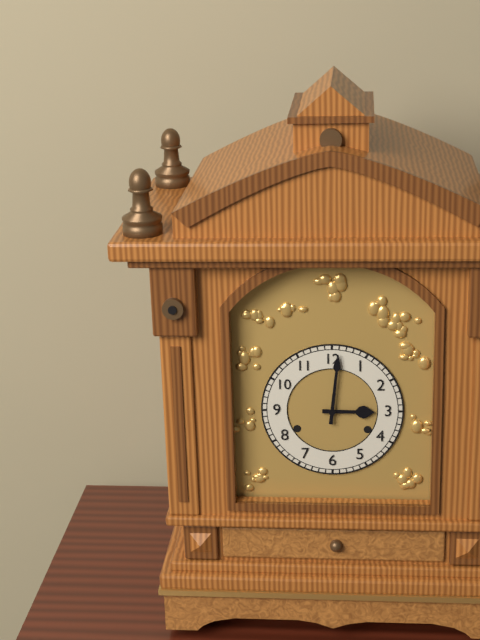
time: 3:01
